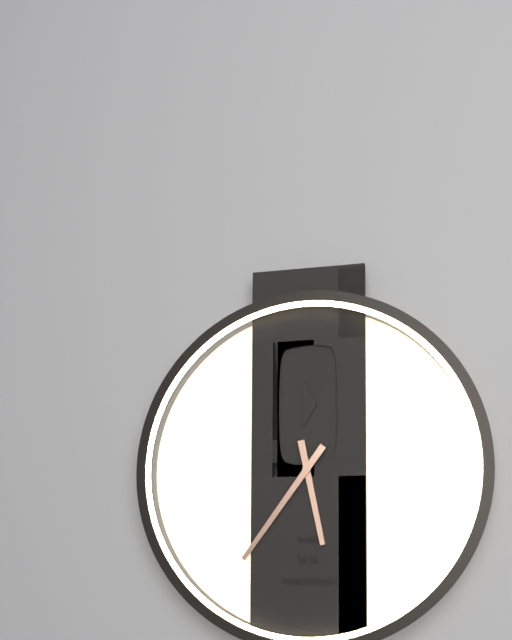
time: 5:36
